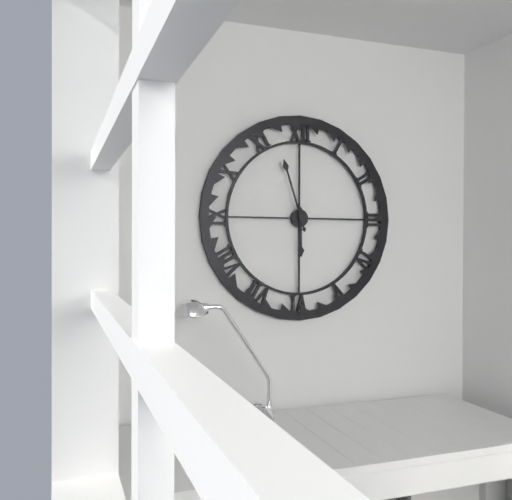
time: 5:57
